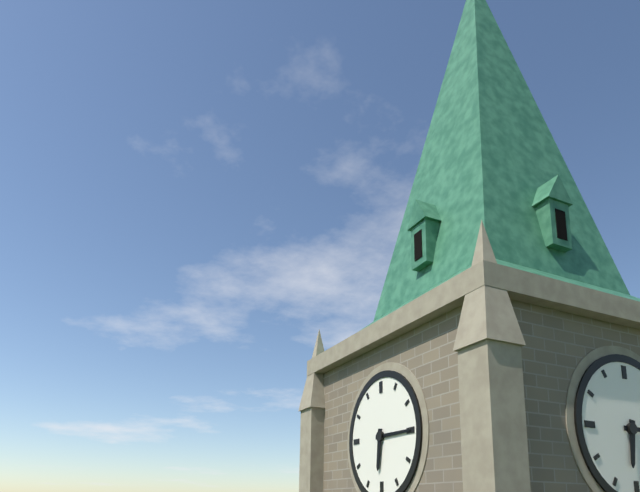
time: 6:15
